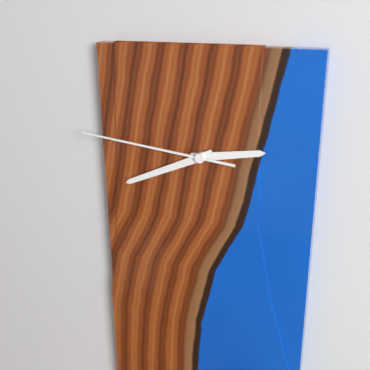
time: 2:41:46
